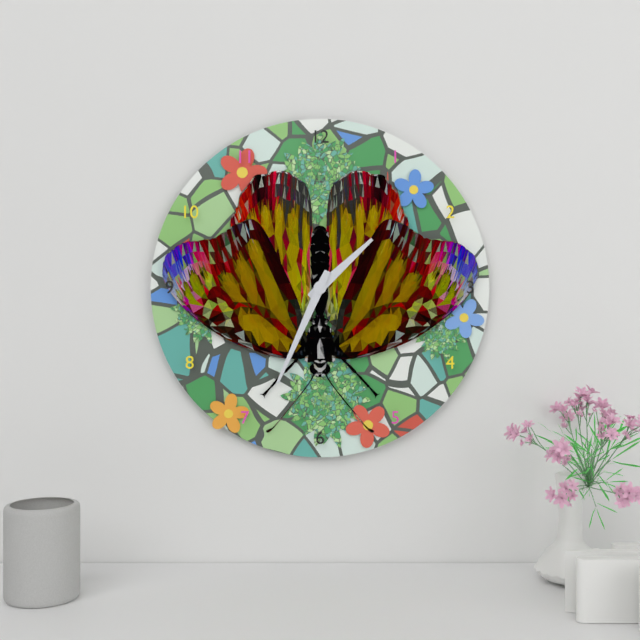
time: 1:34
